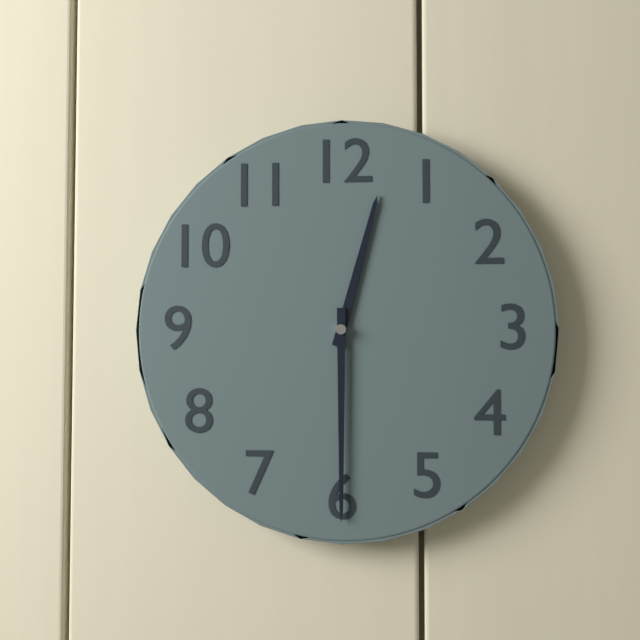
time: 12:30
